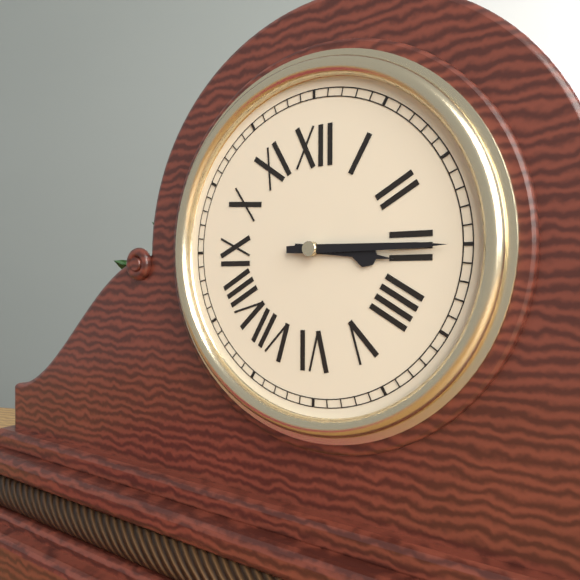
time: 3:15
